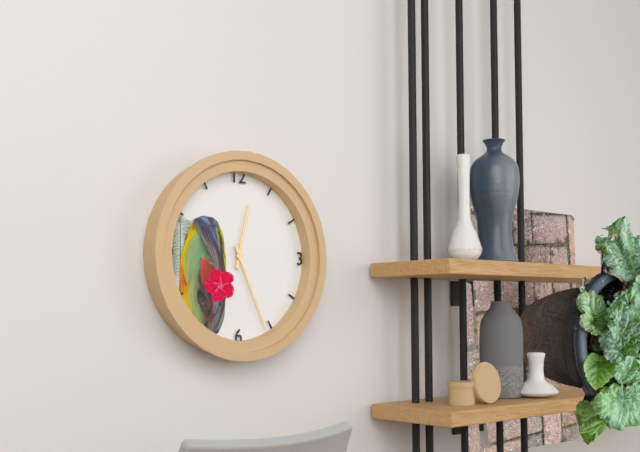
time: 12:26
